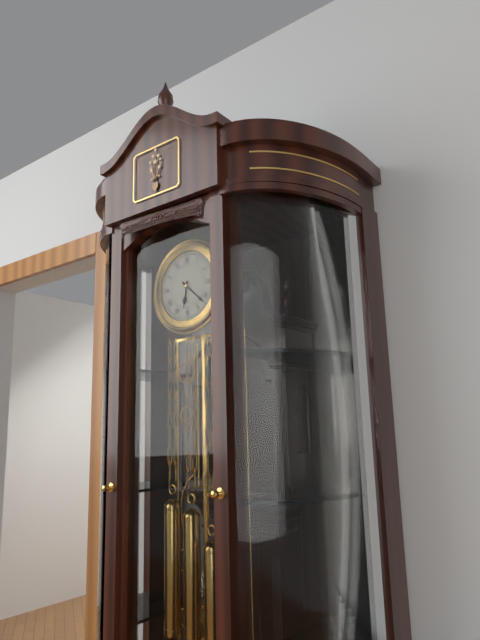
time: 6:22
